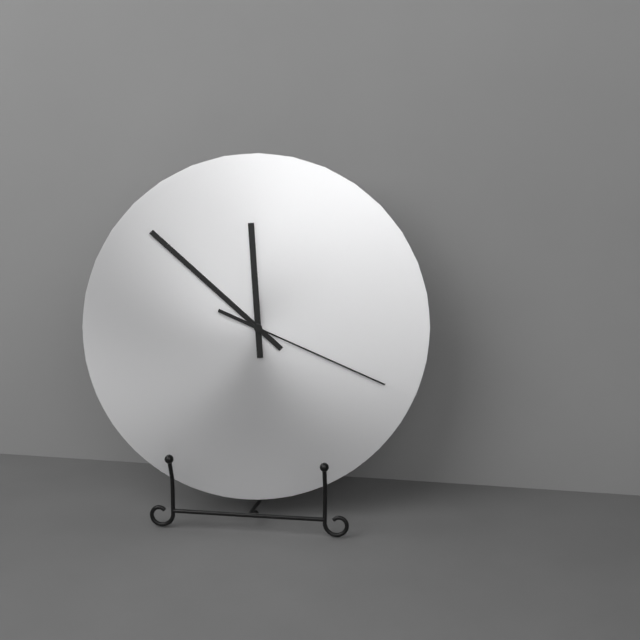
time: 11:52:19
